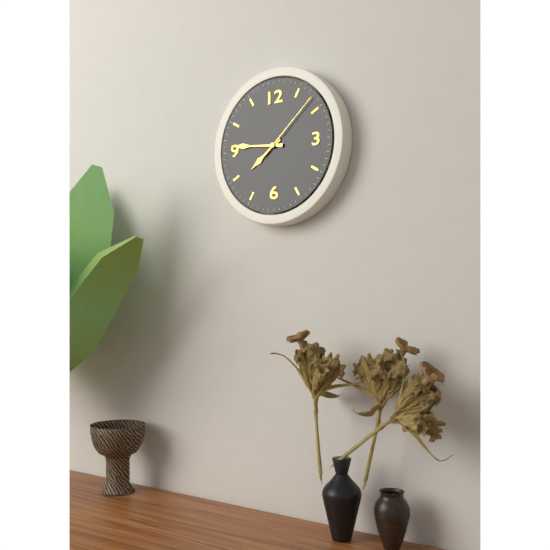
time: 7:46:08
